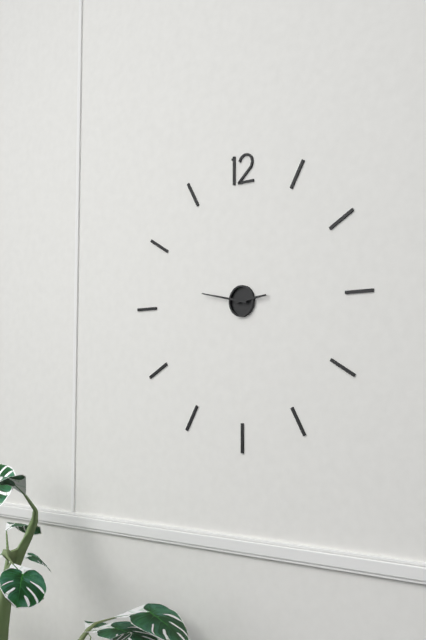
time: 2:47
